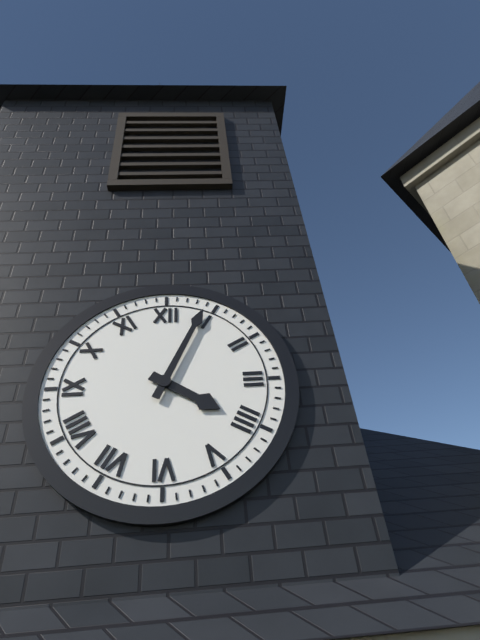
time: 4:04
